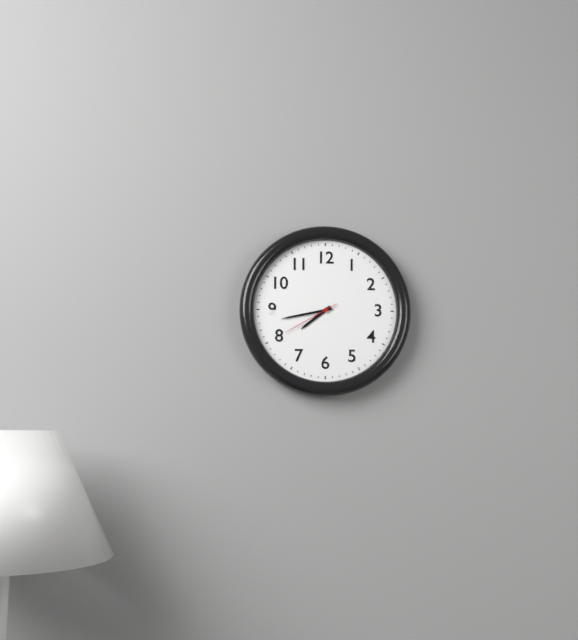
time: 7:43:40
